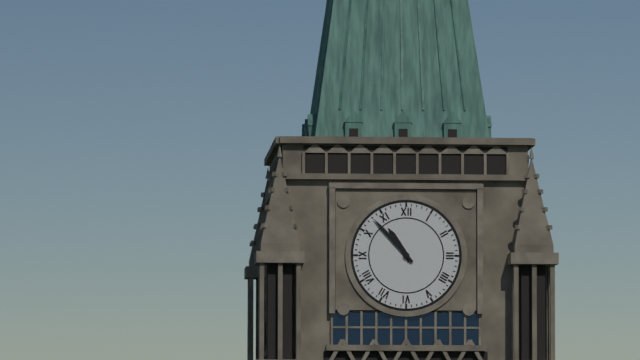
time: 10:53
